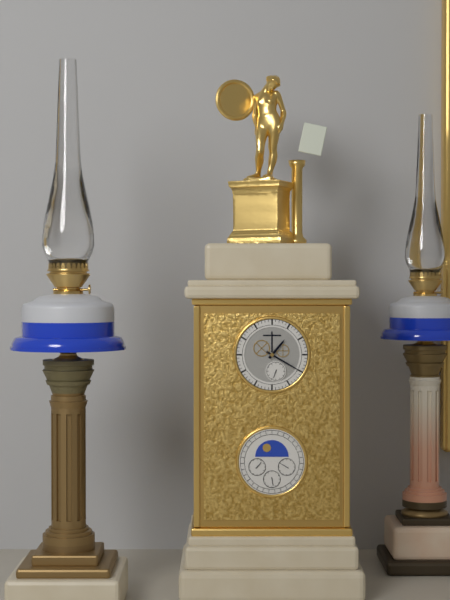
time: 1:20
